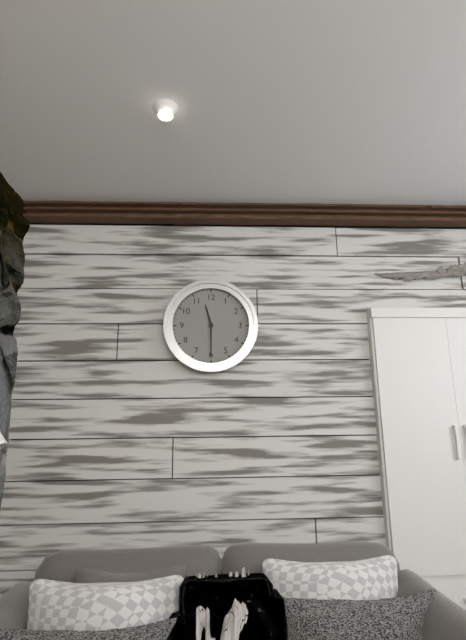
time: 11:30
